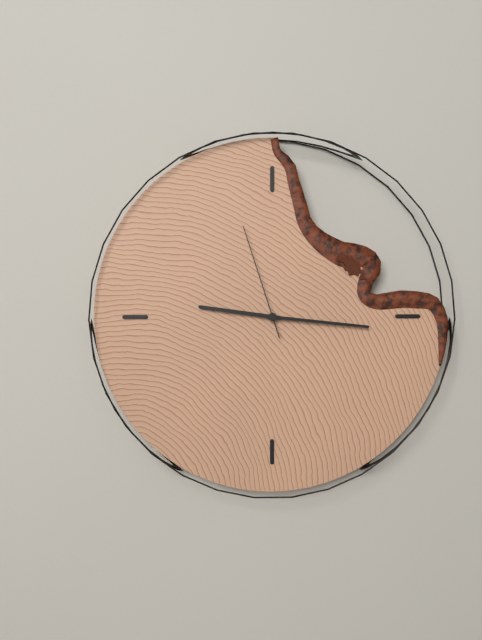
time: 9:16:57
